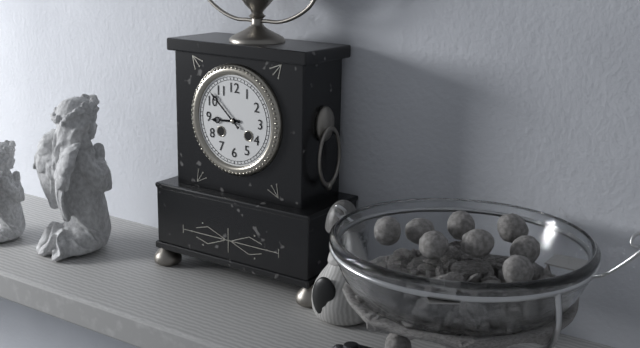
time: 8:52
